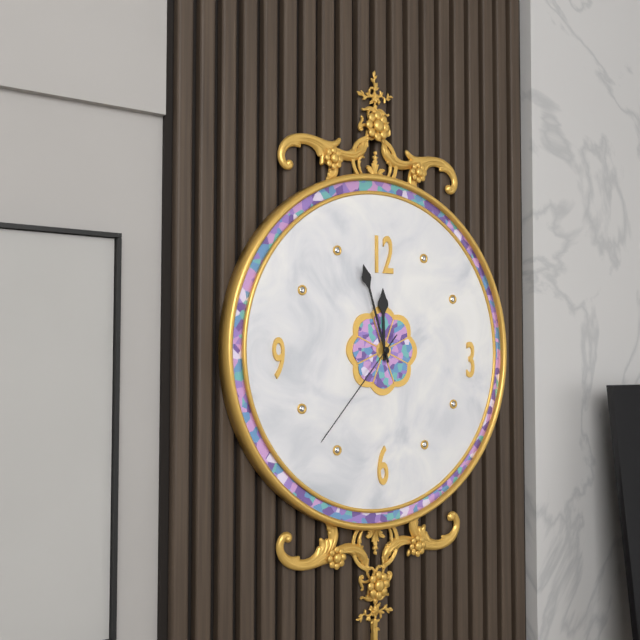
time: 11:57:37
